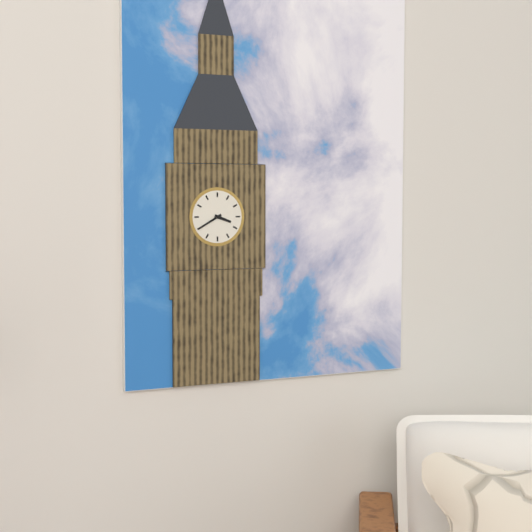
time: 3:40
